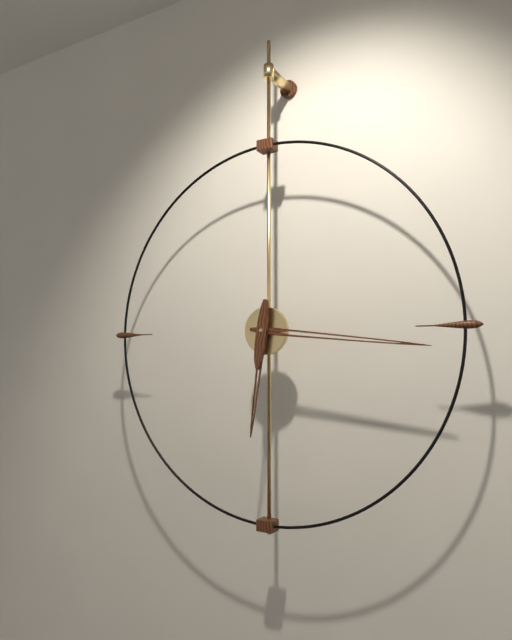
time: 6:16
